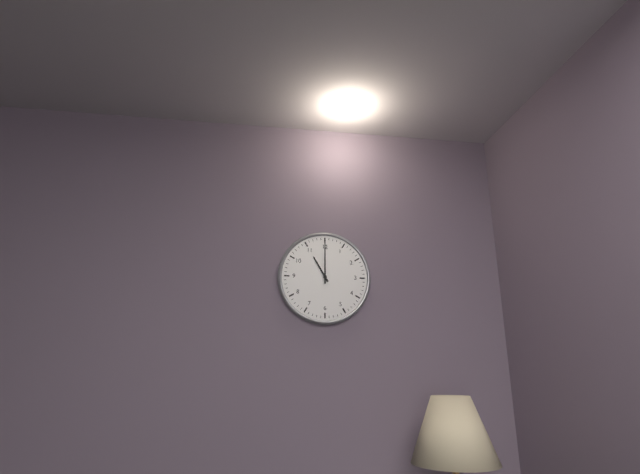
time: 11:00
